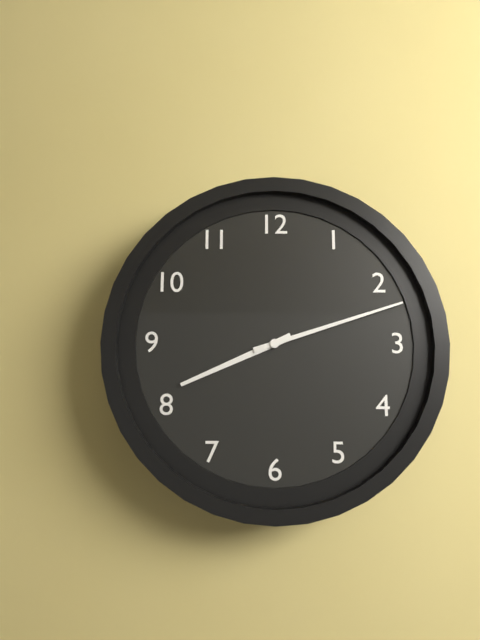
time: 8:12
